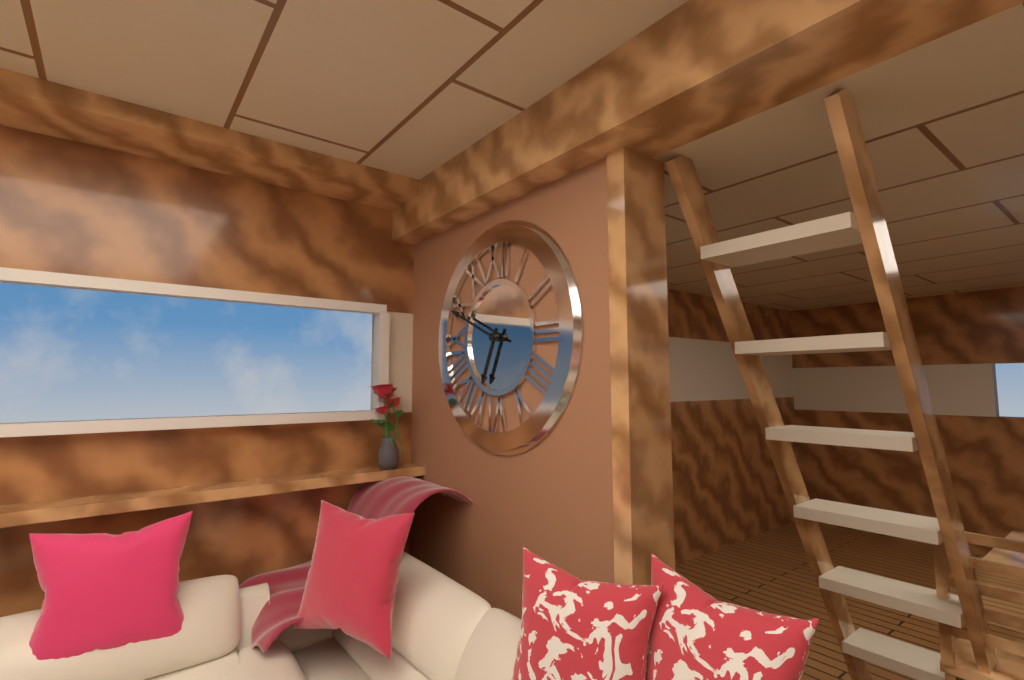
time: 6:49
